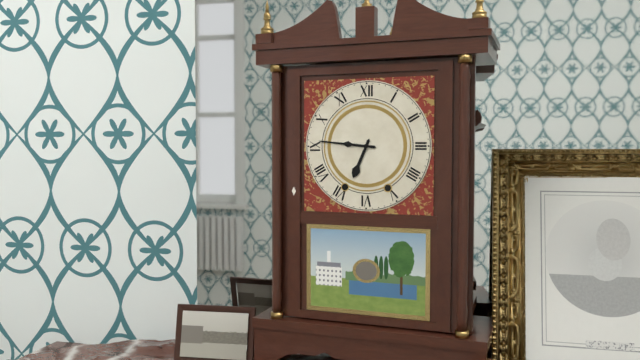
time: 6:46
